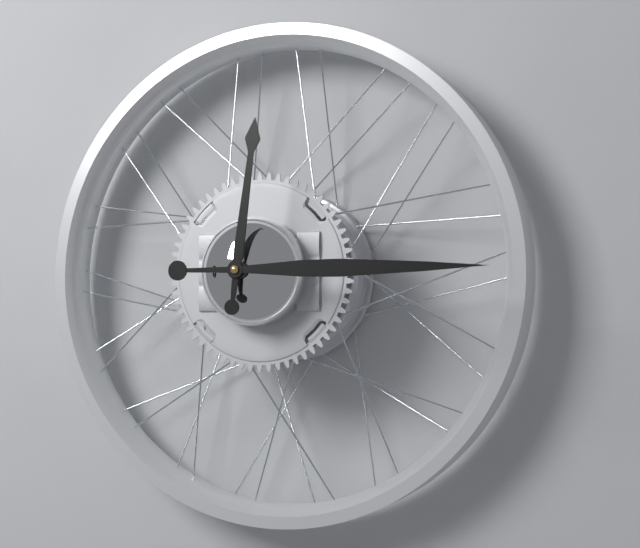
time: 12:15
